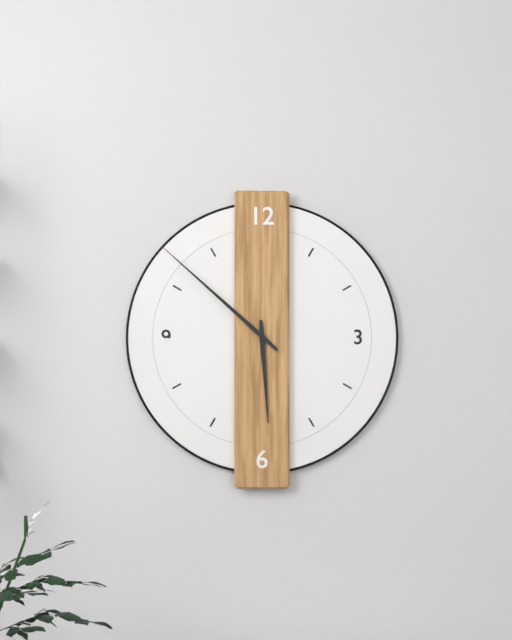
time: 5:52
